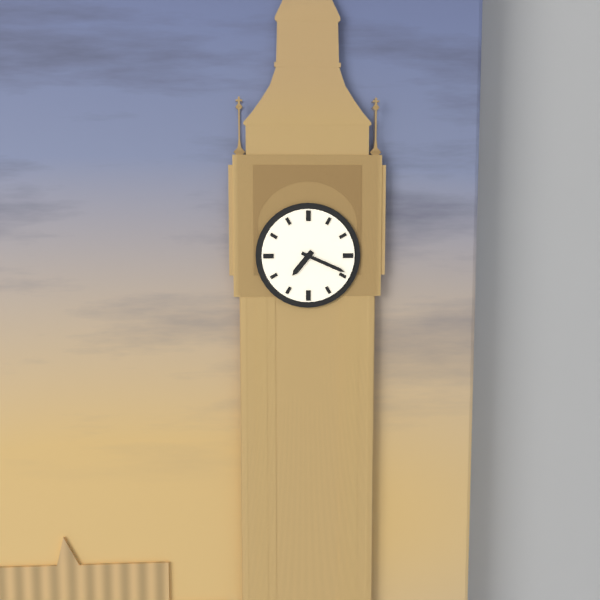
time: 7:19
